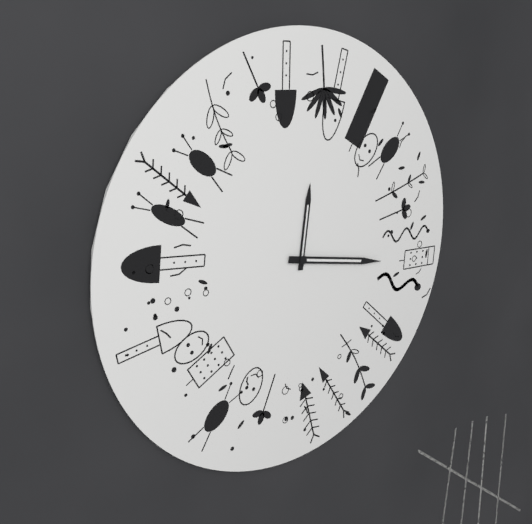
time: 12:17
